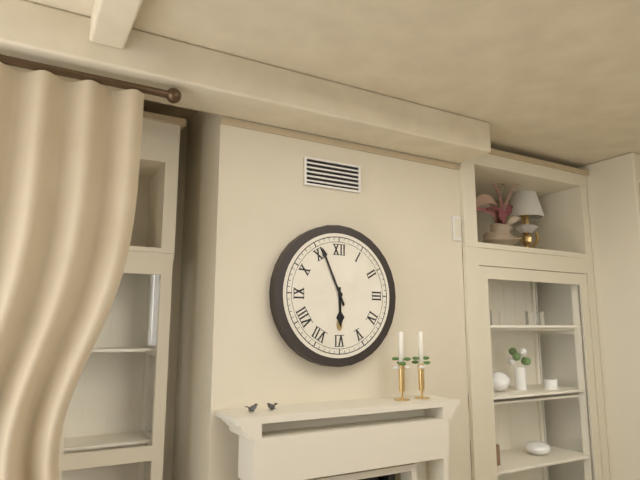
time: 5:56
